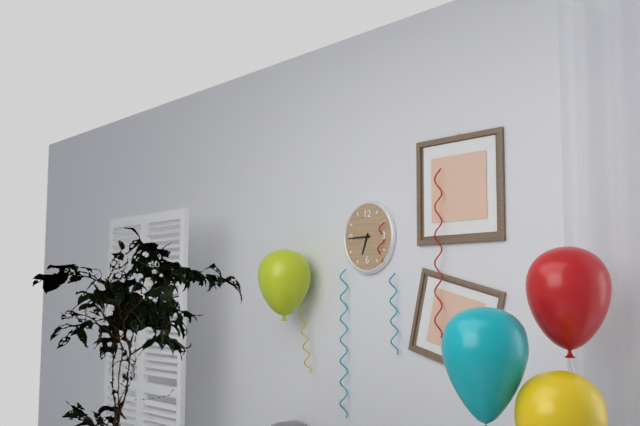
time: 6:45
